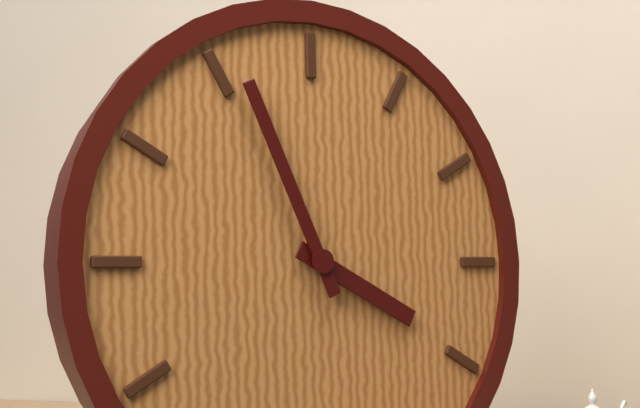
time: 3:56
